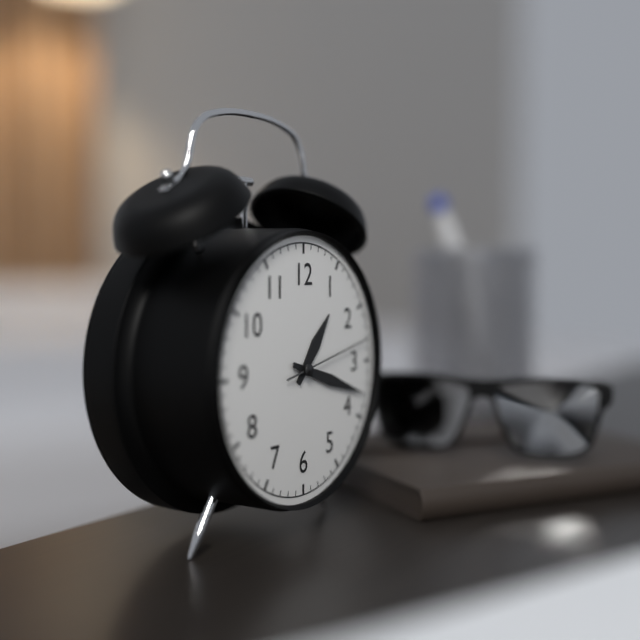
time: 1:18:13
